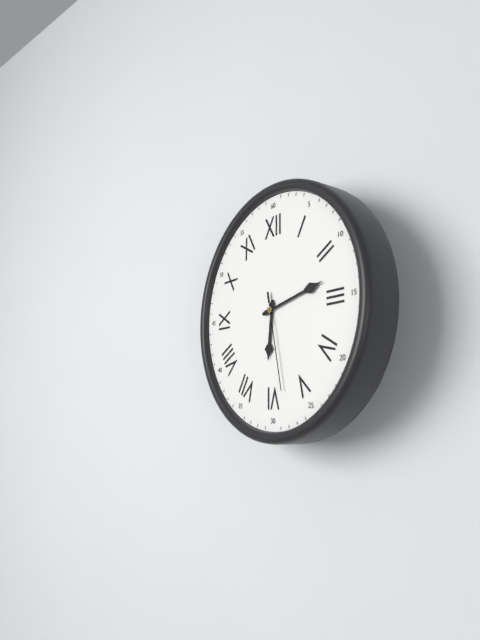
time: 6:13:28
